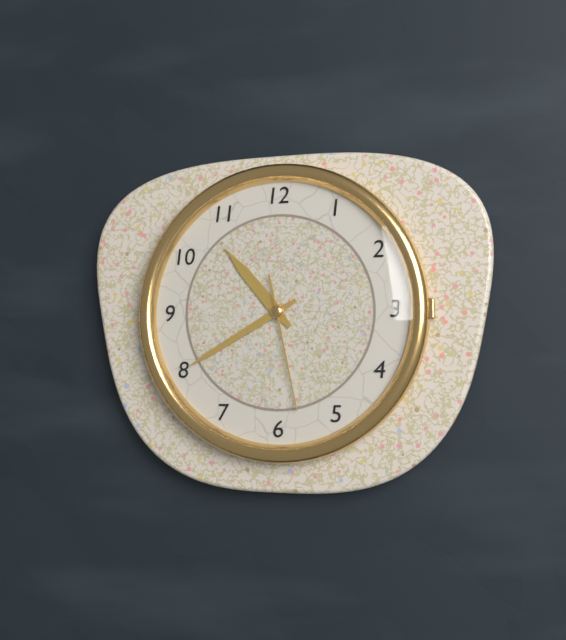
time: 10:40:28
